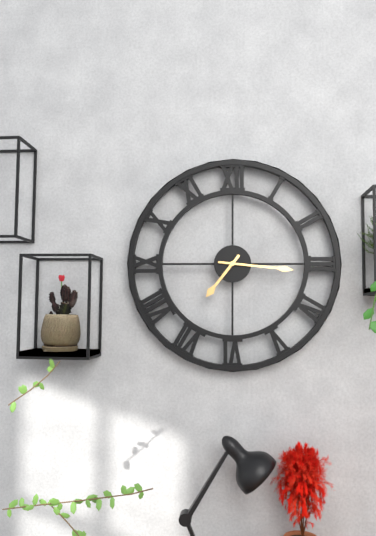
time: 7:16
